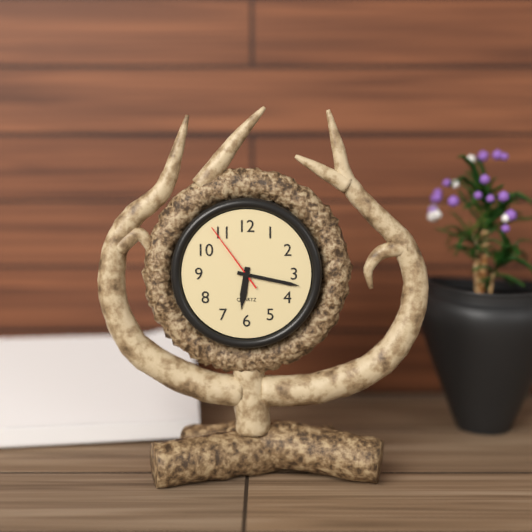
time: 6:17:54
